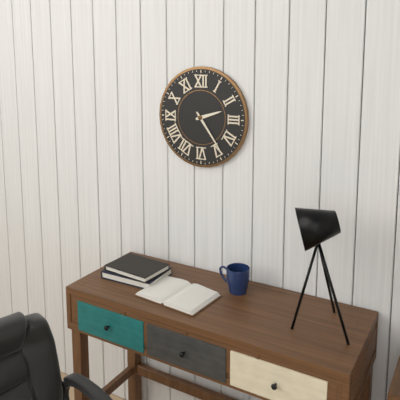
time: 2:24
